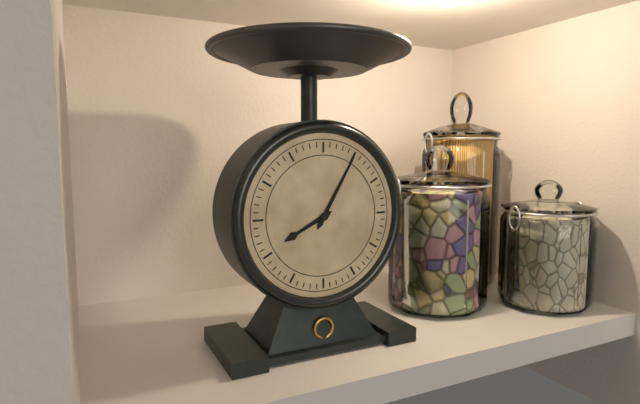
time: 8:05
